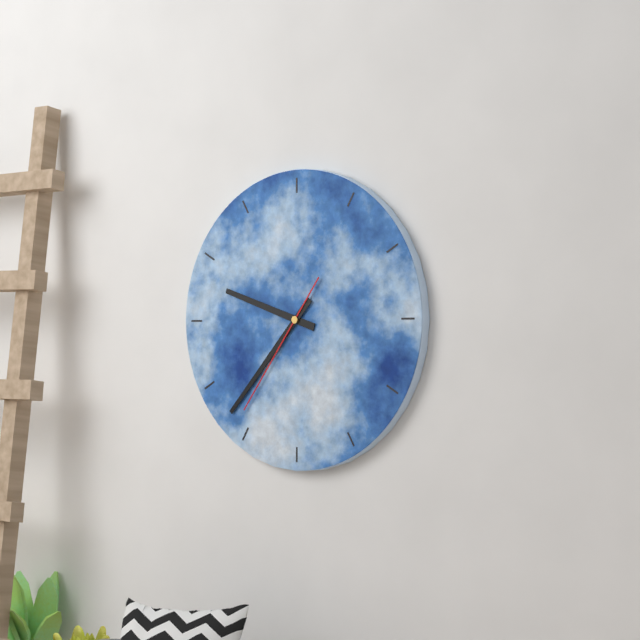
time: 9:37:36
